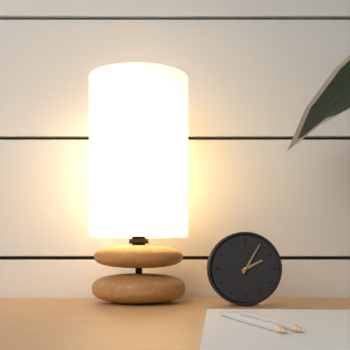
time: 2:05
